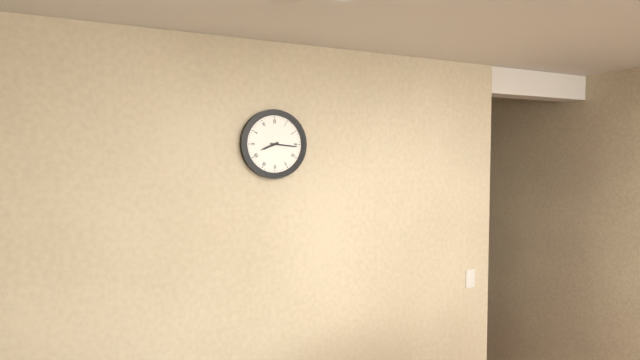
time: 8:16
